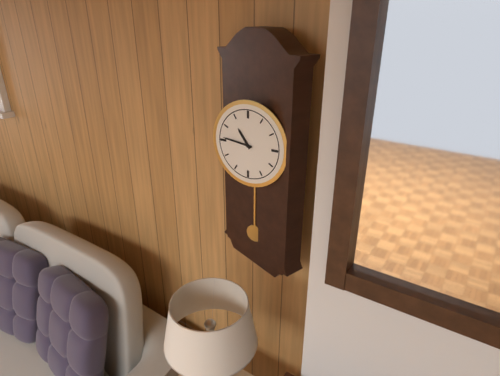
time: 10:46
